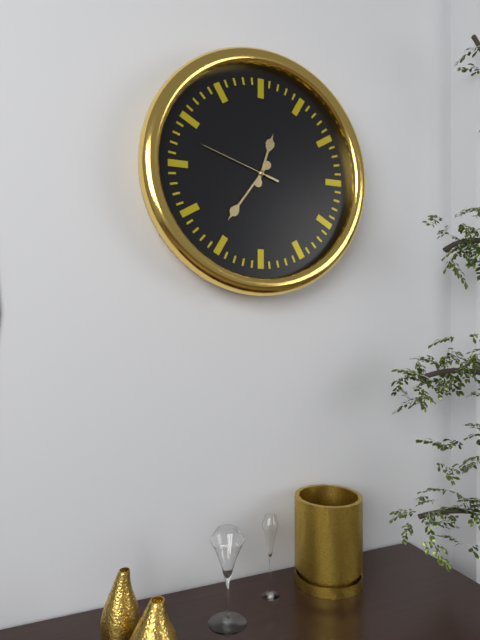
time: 12:36:48
